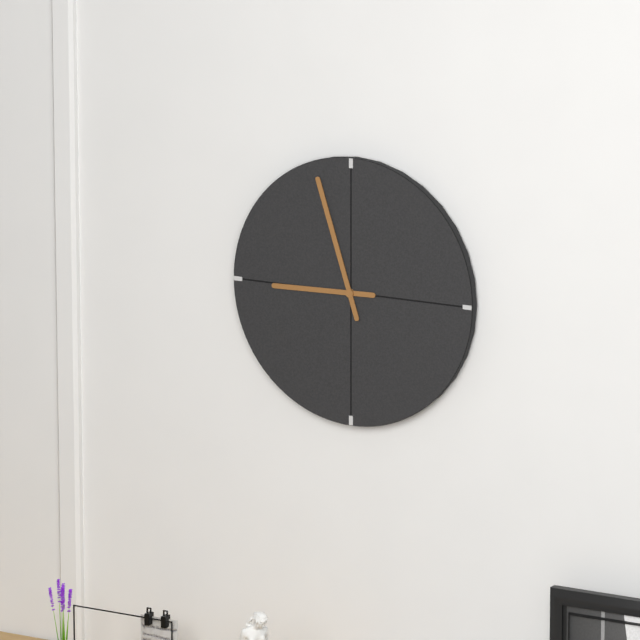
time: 8:57
